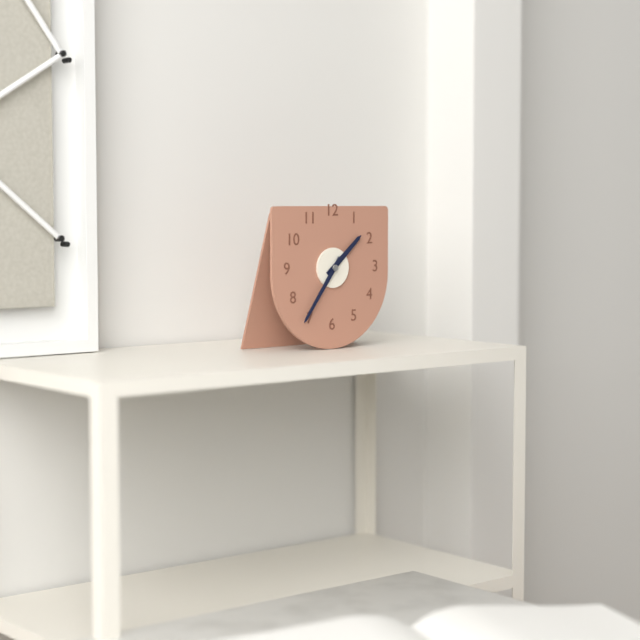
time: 1:36
